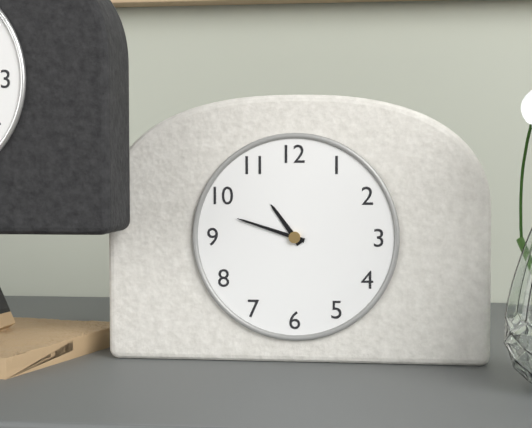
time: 10:48
